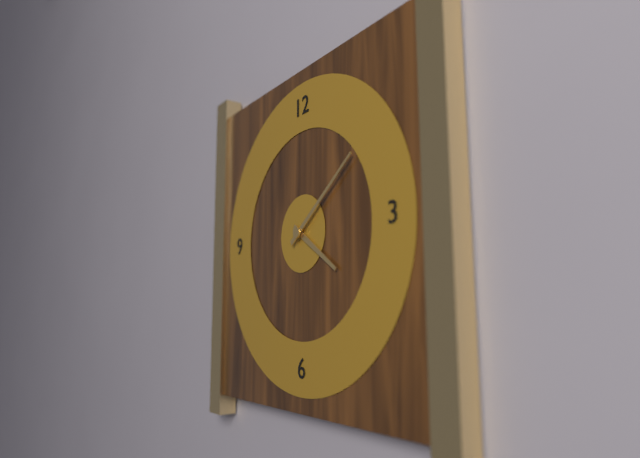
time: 4:09
